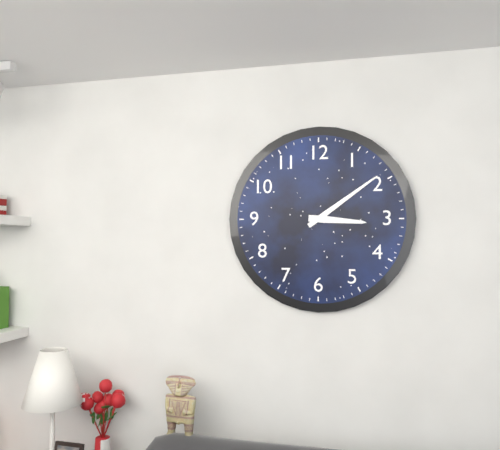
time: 3:09
